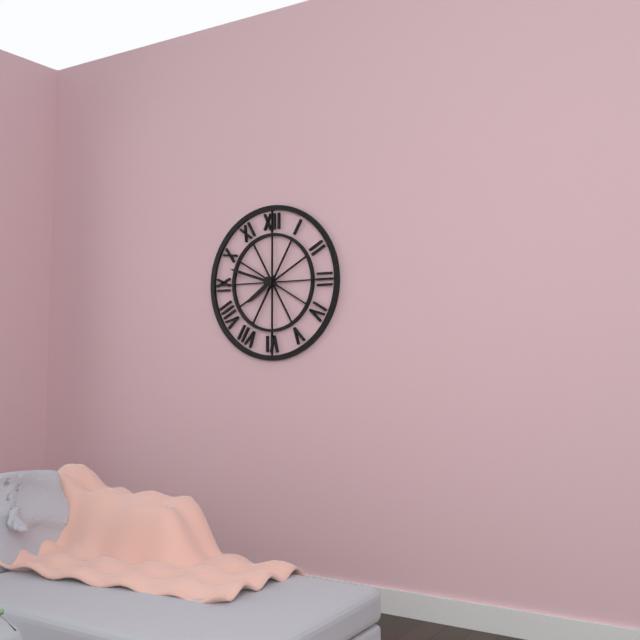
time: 7:48
